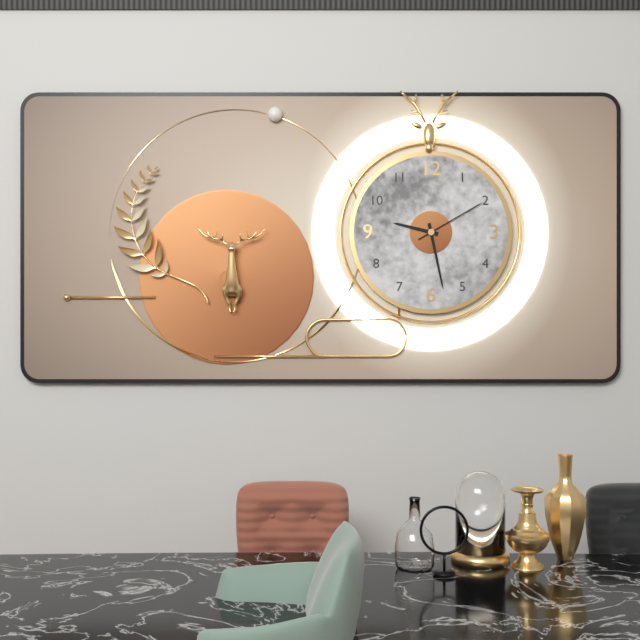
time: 9:28:10
